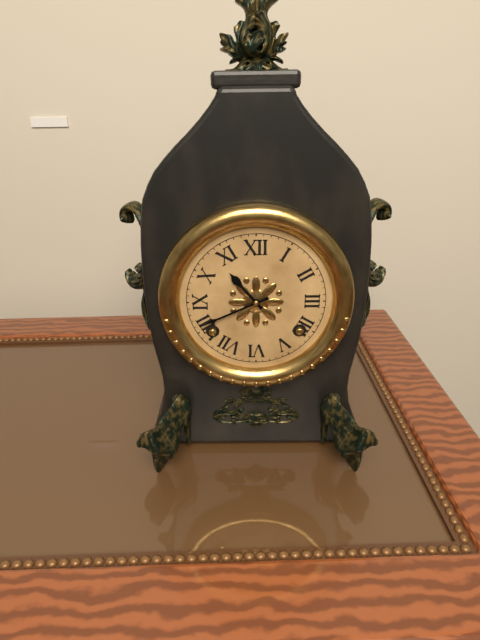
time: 10:41
